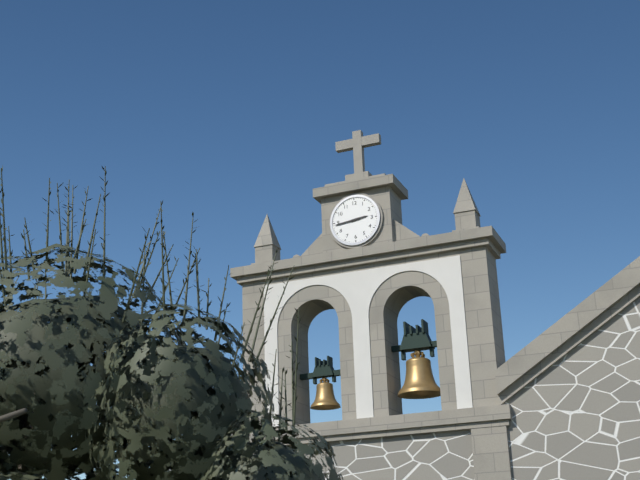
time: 2:44
